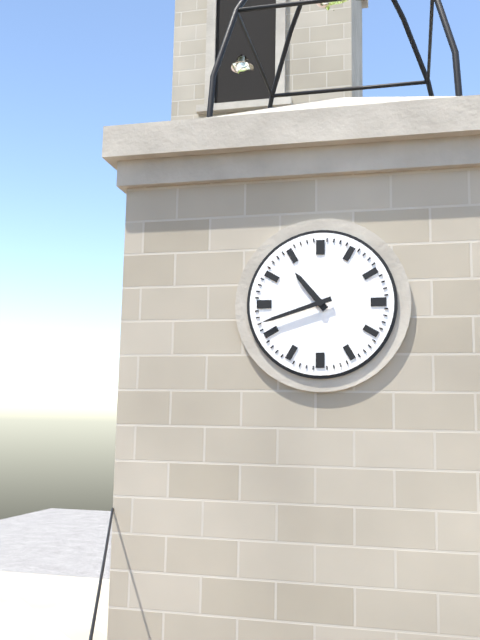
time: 10:42
